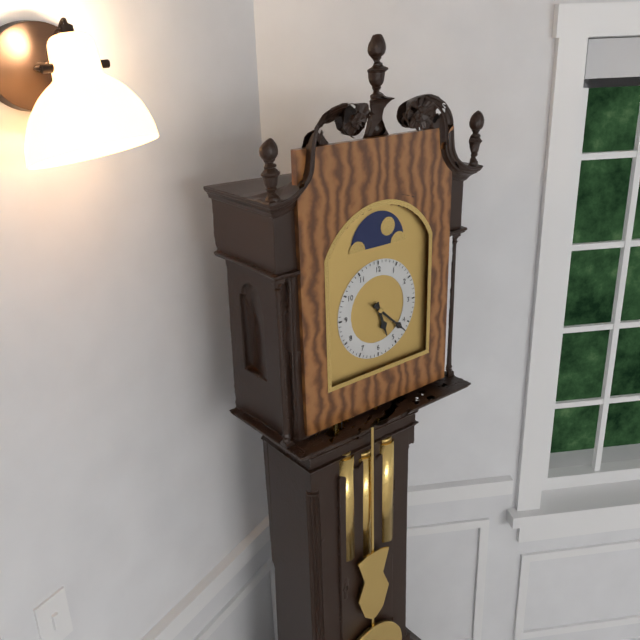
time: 5:22
